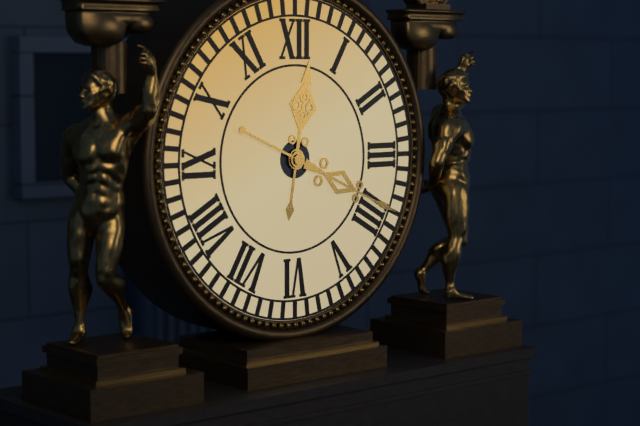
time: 12:19
